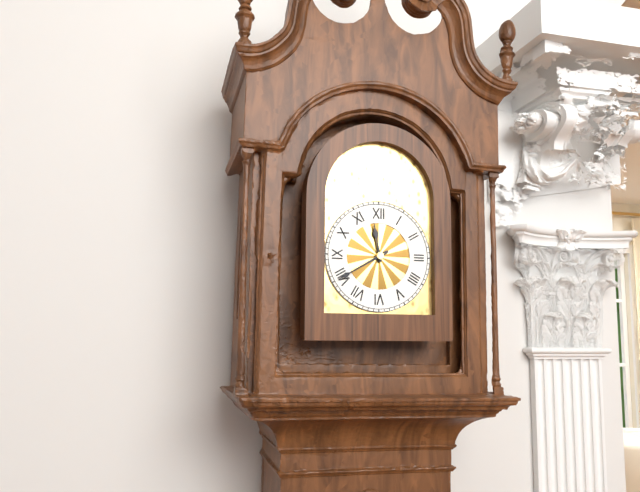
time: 11:40
